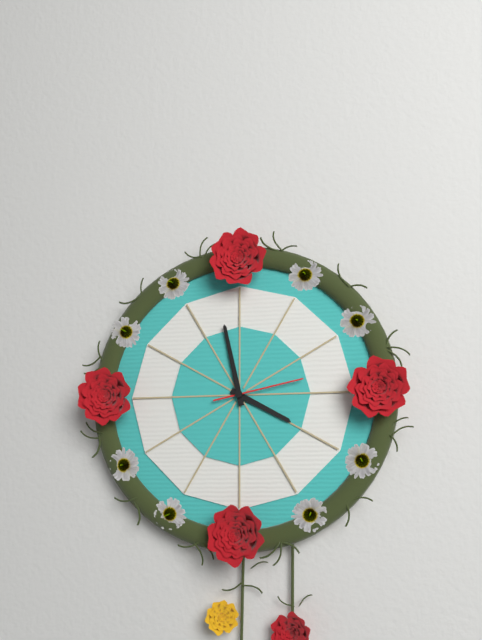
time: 3:58:13
